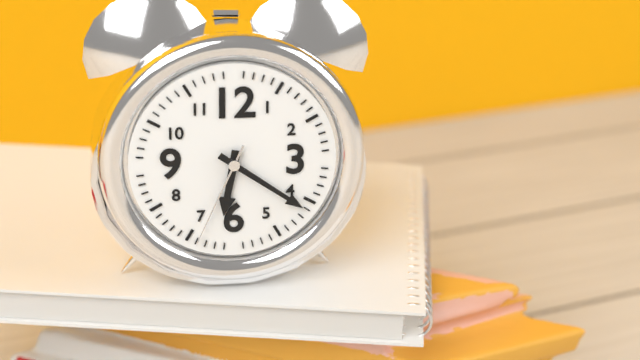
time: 6:21:34
